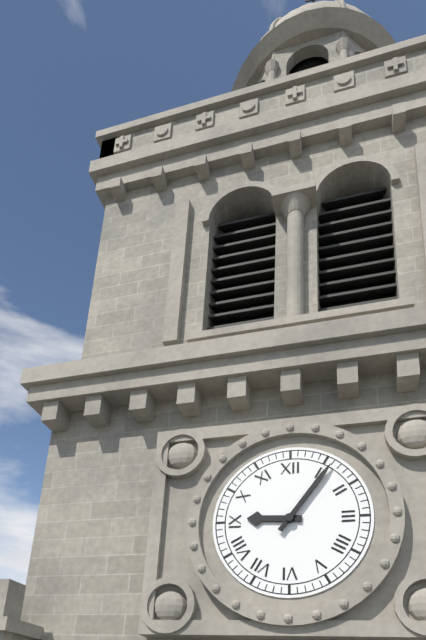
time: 9:06
